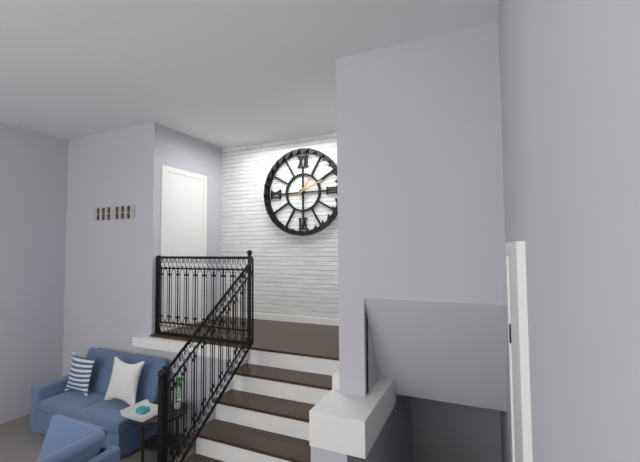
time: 1:11
